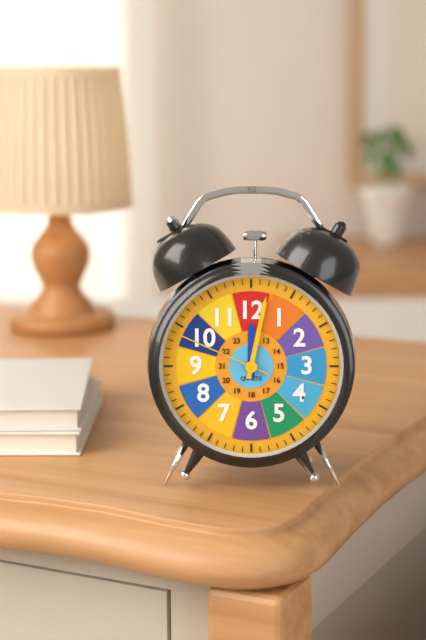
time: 12:02:49
